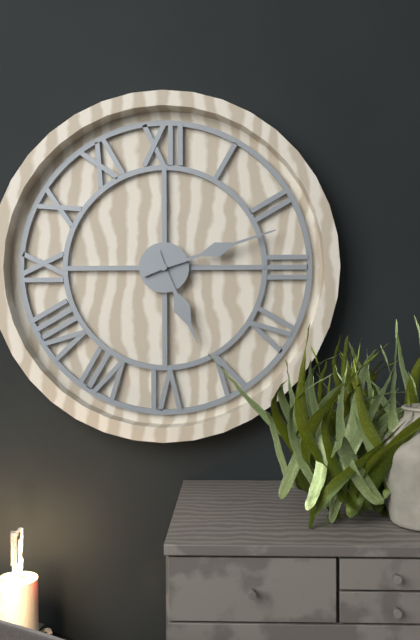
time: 5:12
